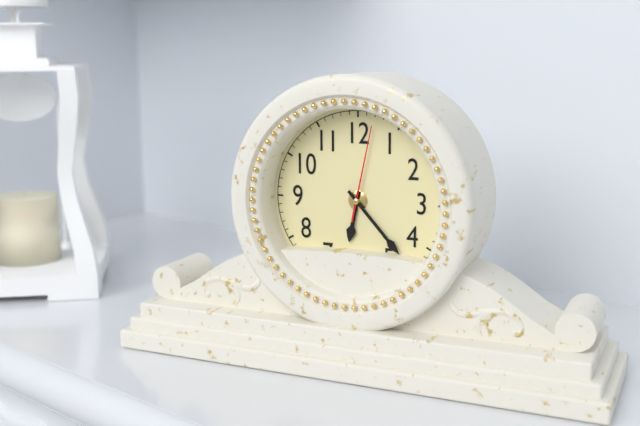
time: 6:23:02
